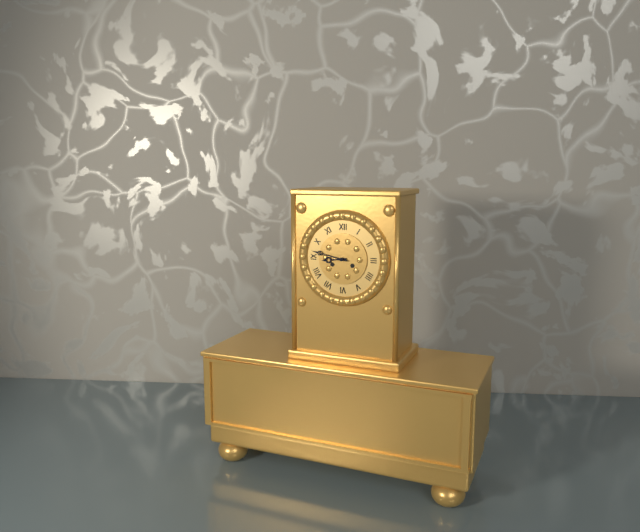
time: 8:47
